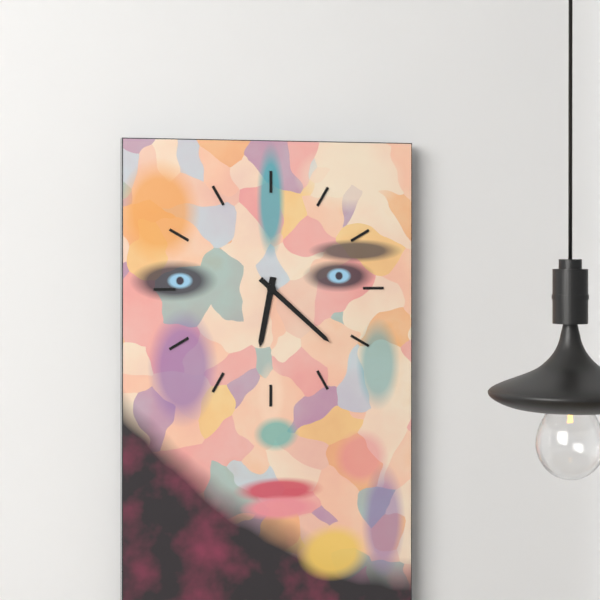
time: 6:22
